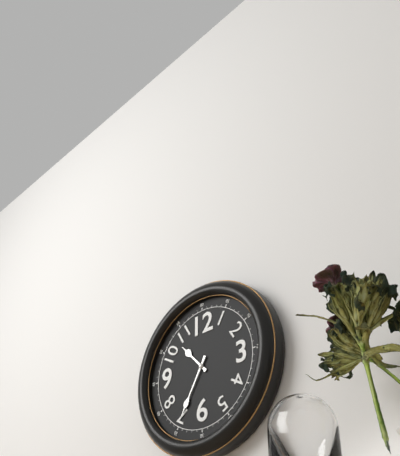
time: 10:35
